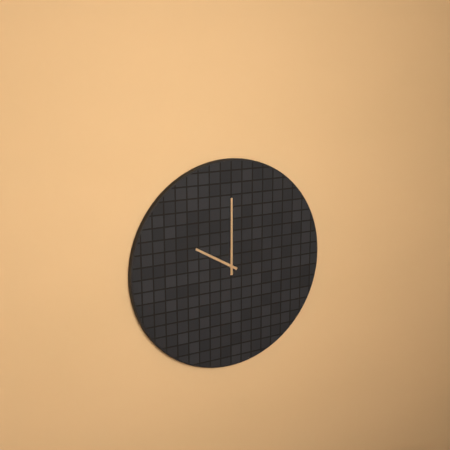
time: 10:00
